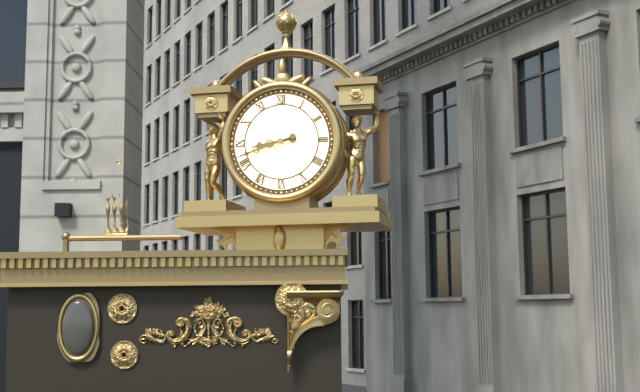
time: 8:42
